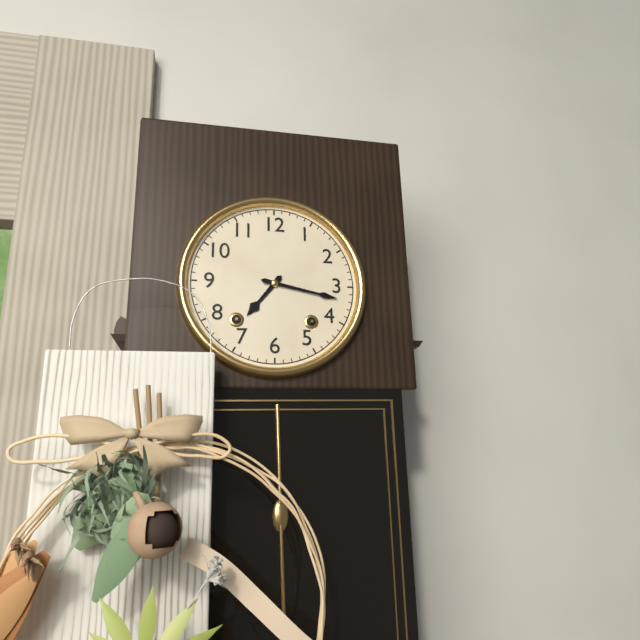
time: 7:17
